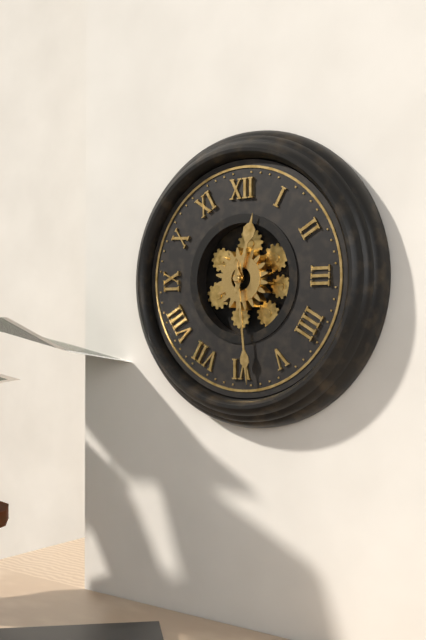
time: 12:29
